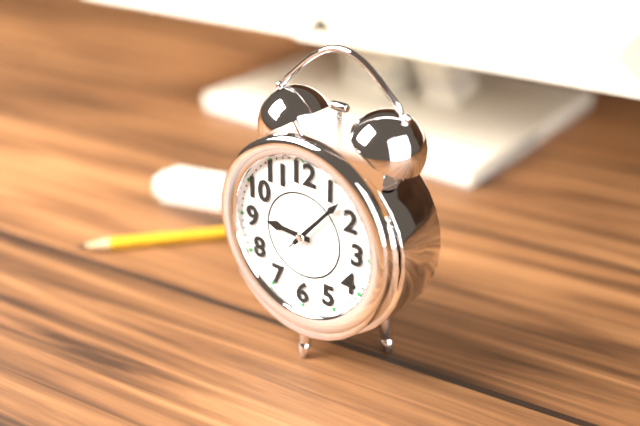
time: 9:07:07
